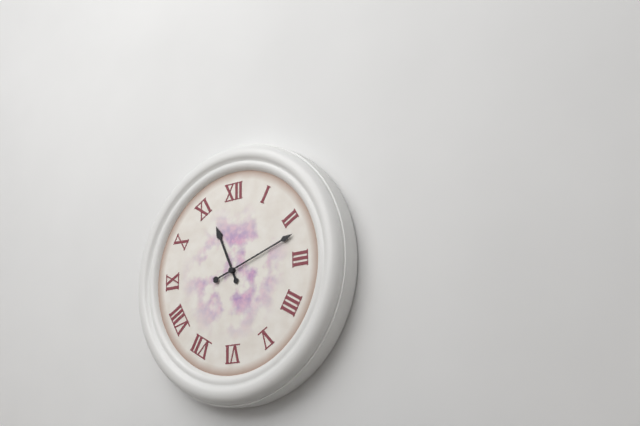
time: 11:12
